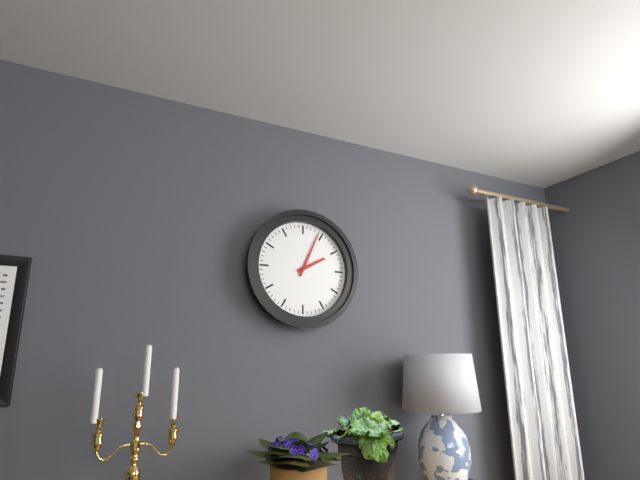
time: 2:04
